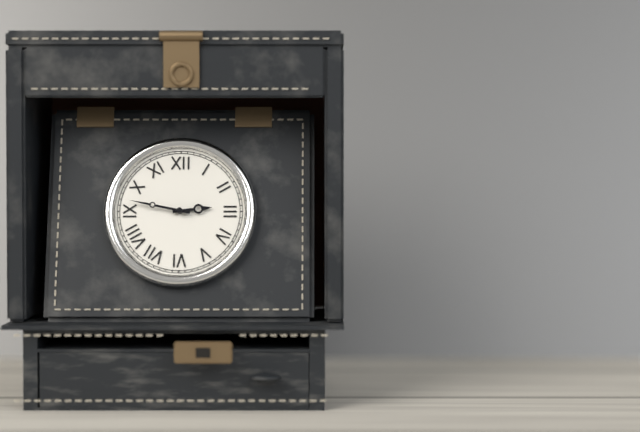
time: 2:47
